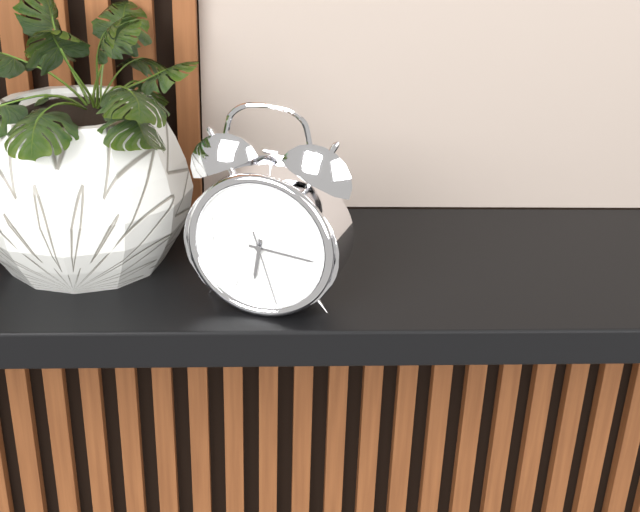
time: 6:16:27
